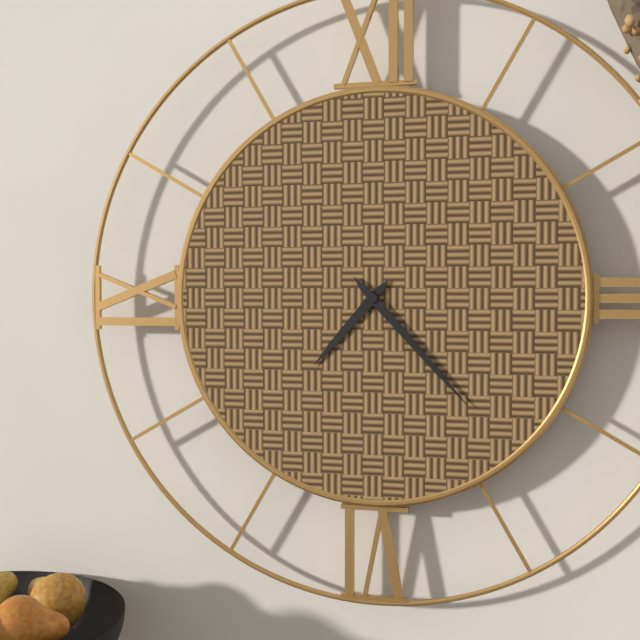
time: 7:23
